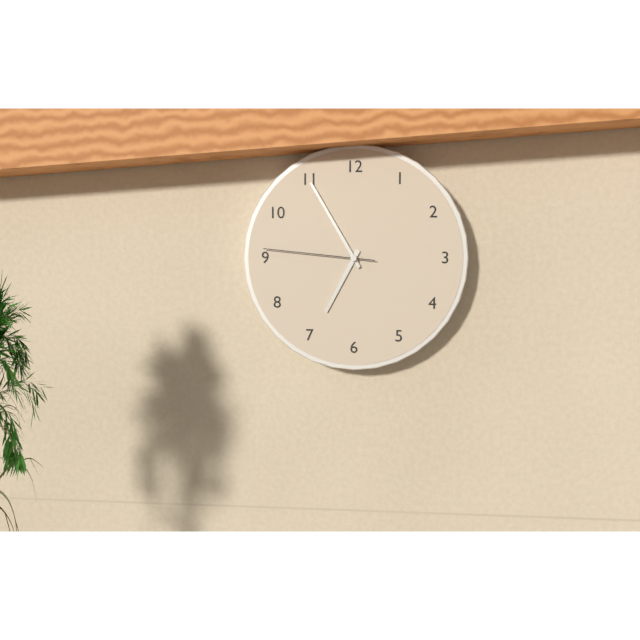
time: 6:55:46
